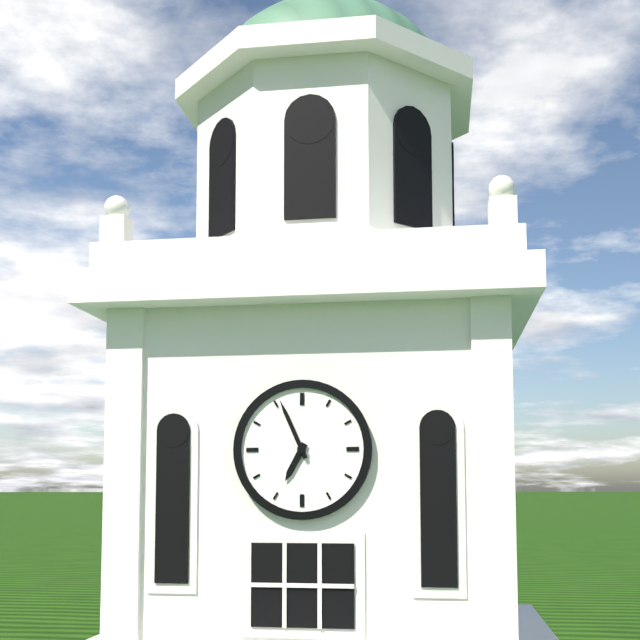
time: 6:56
